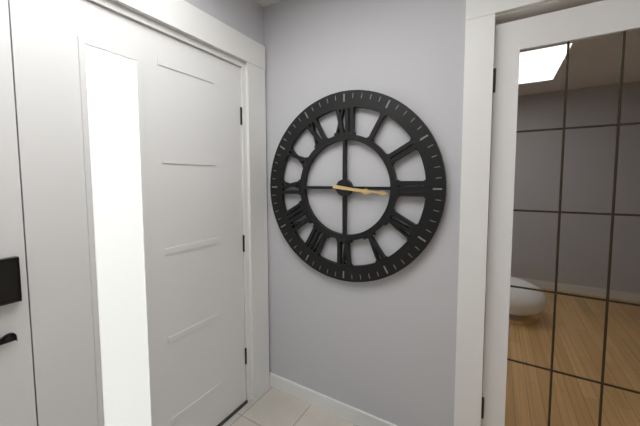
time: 3:16
